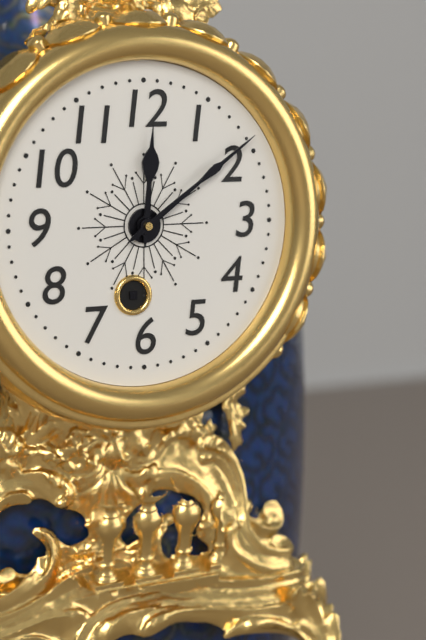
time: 12:09
